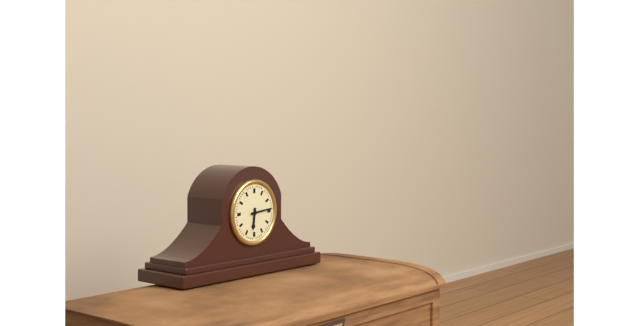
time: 6:14
